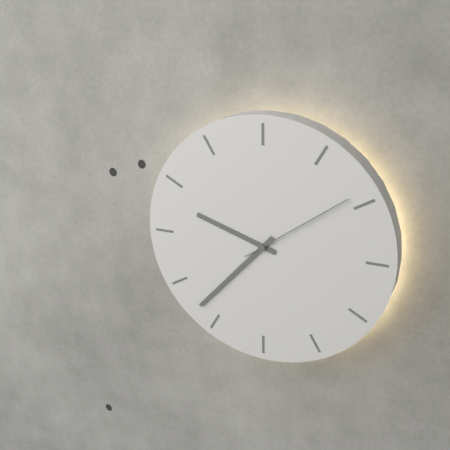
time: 9:37:09
